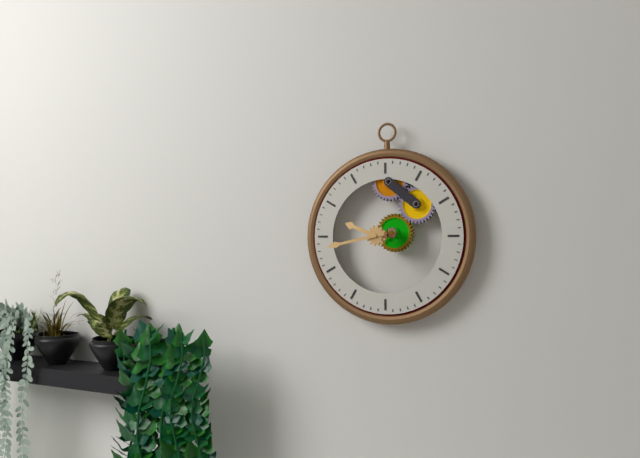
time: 9:43
